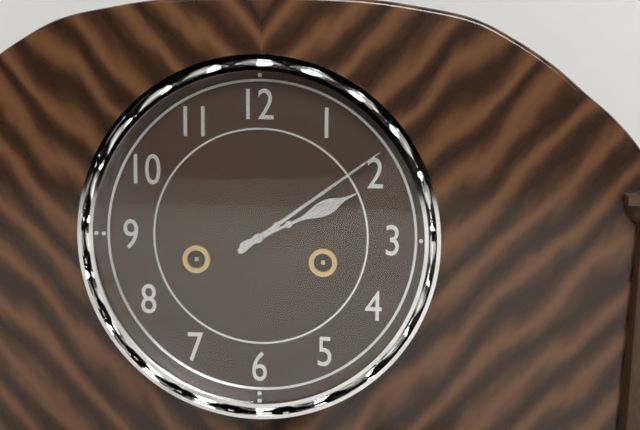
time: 2:09
